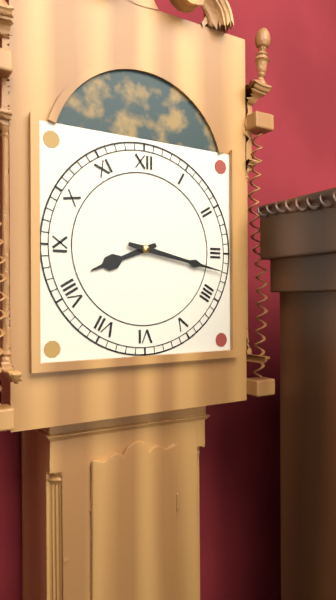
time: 8:17
